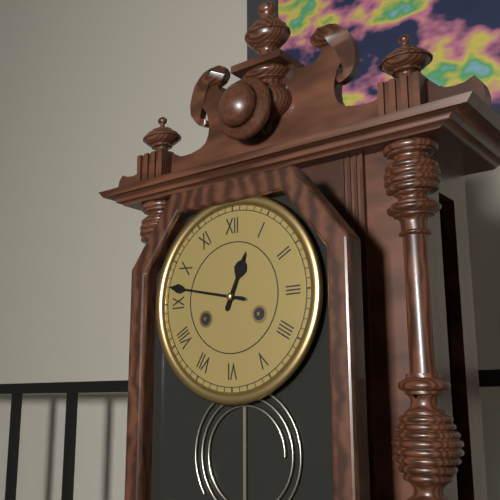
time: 12:47
